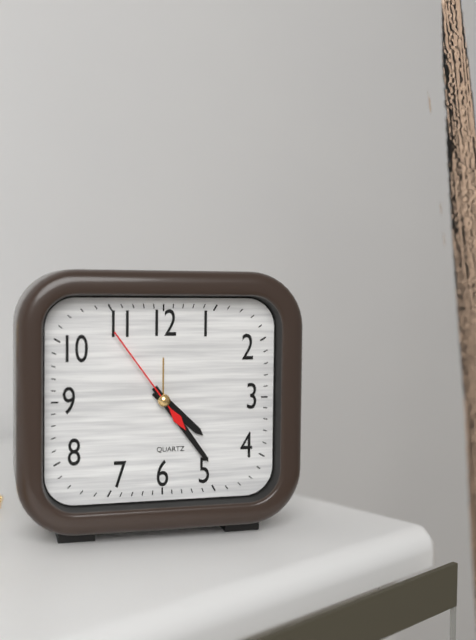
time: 4:24:54
